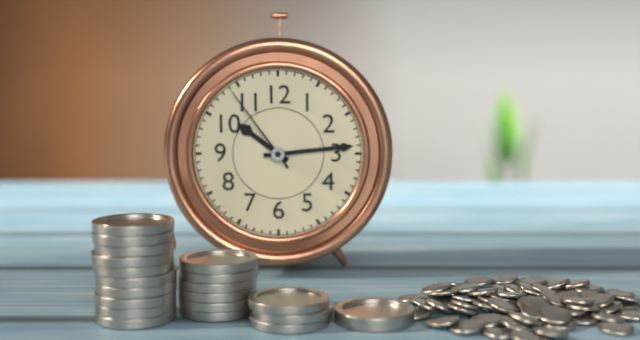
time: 10:14:54
